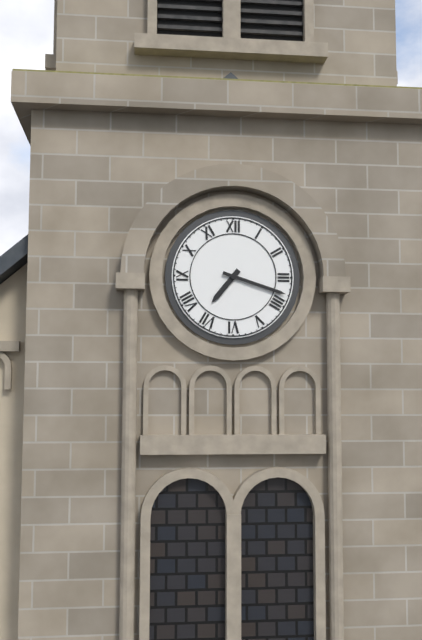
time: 7:18
